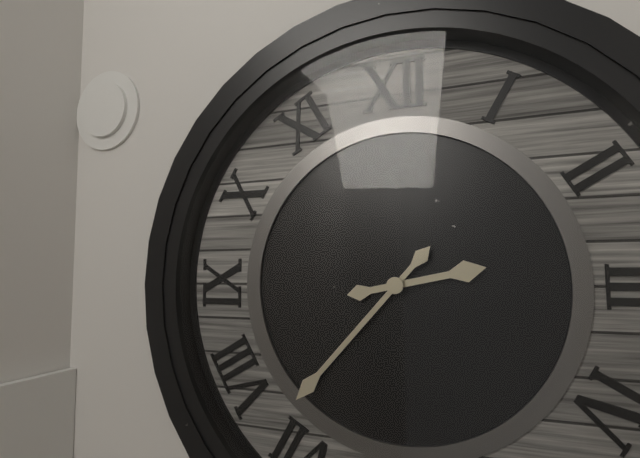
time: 2:37
